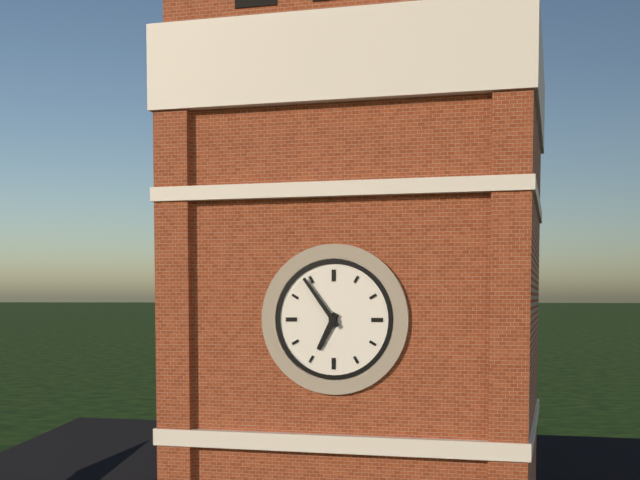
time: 6:54
